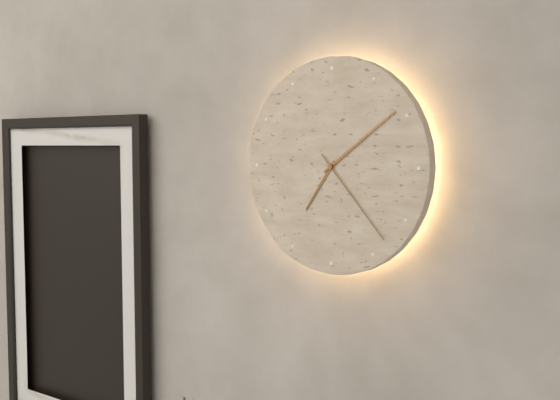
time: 7:09:23
